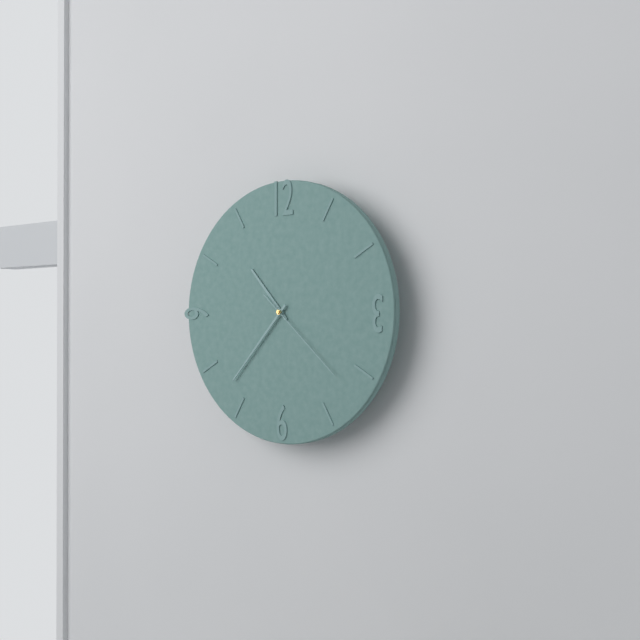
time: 10:37:22
